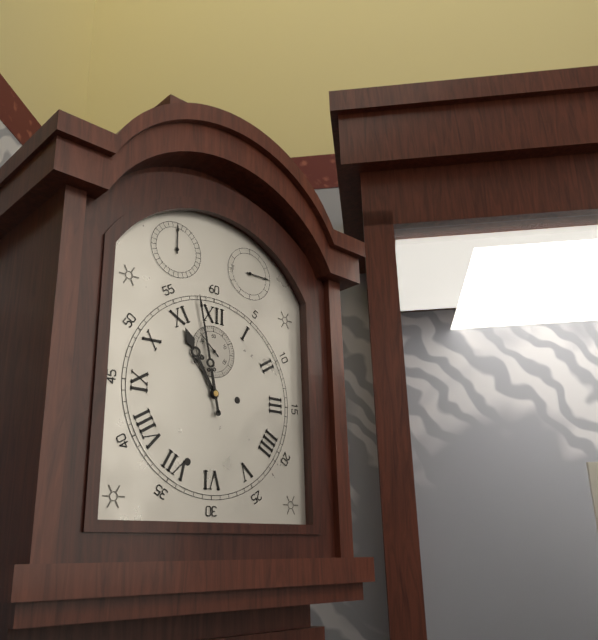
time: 10:58
